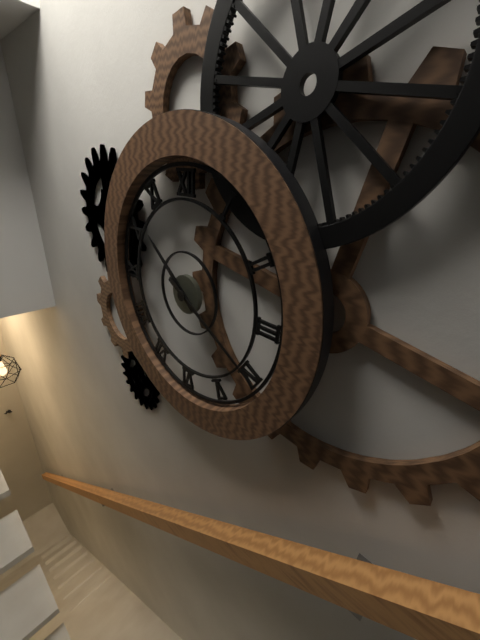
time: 10:20
